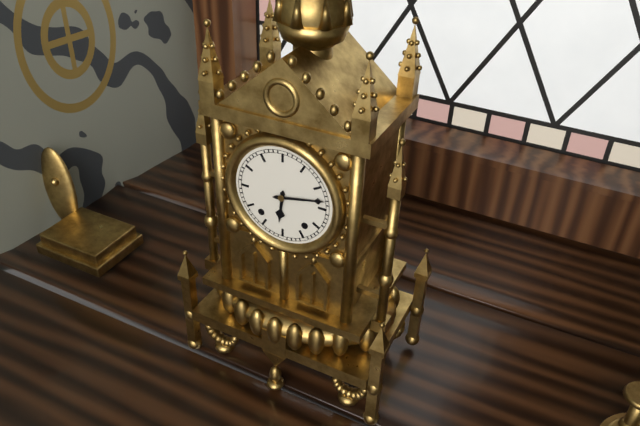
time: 6:13
